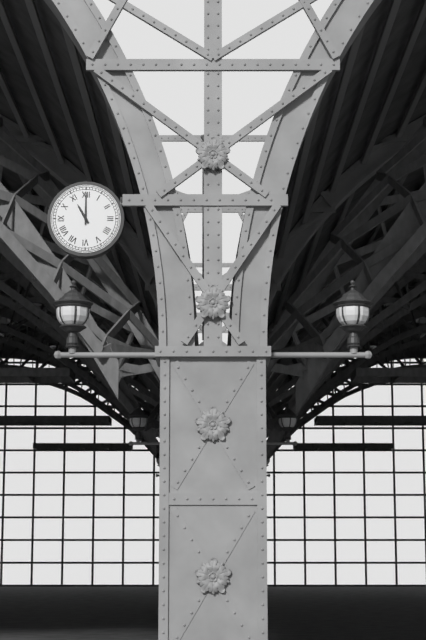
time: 11:00
